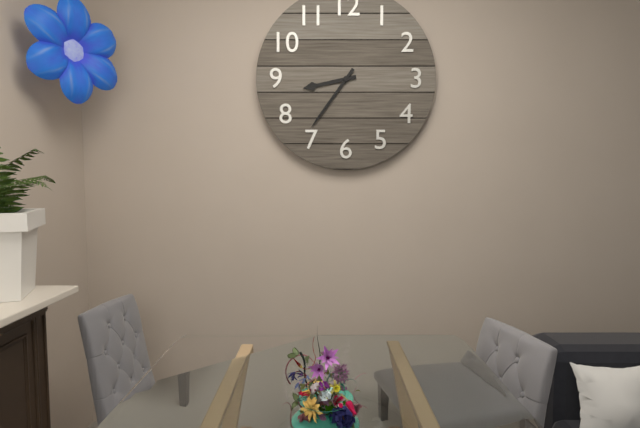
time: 8:36
